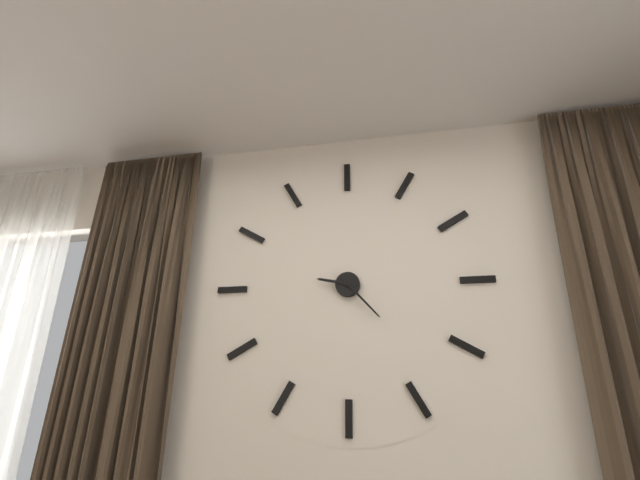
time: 9:23
